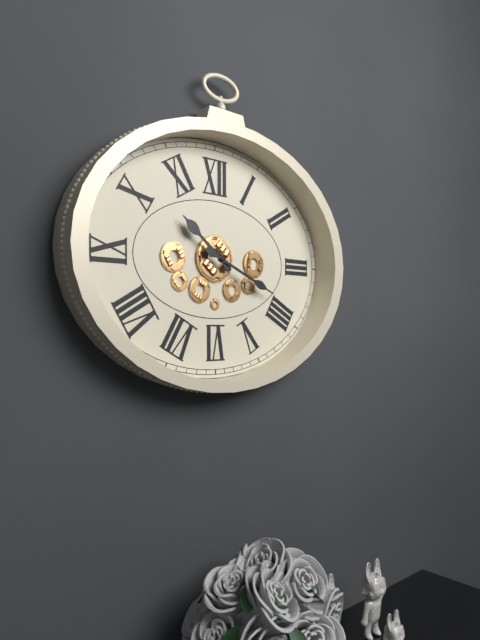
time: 10:19
